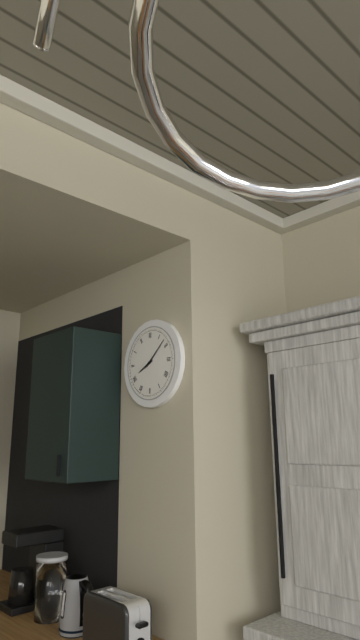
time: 8:08
